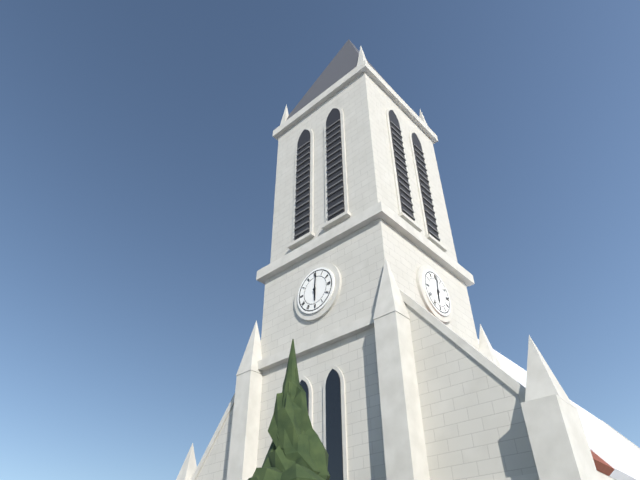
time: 6:01
